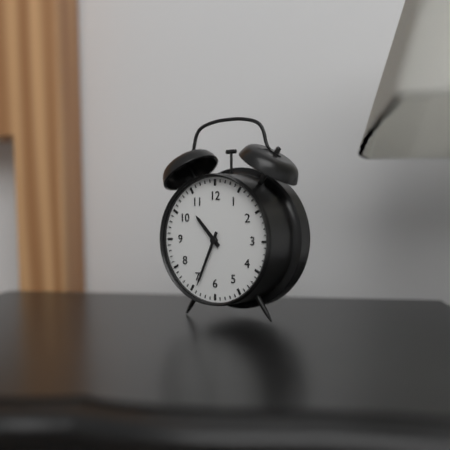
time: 10:34
